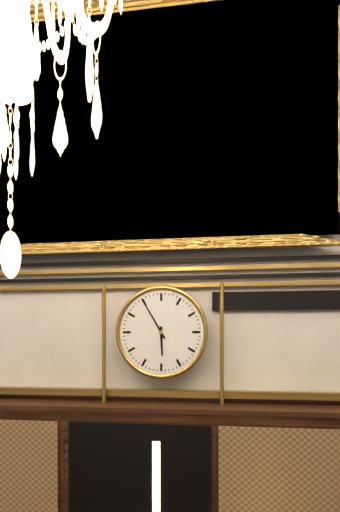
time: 5:55
